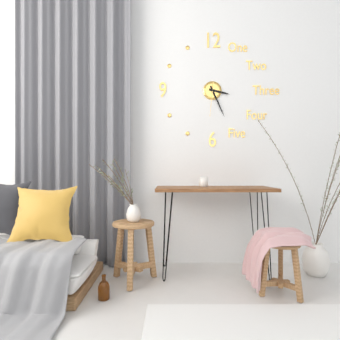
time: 3:26
